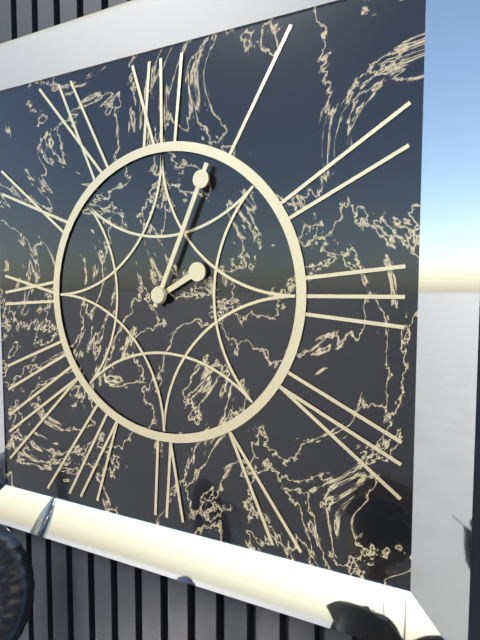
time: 2:04
